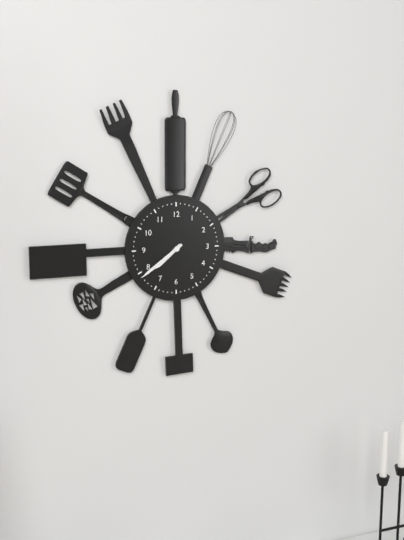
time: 7:39
